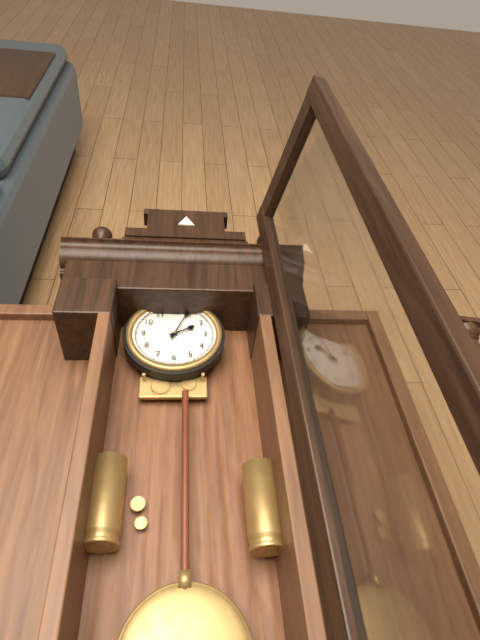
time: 2:04
